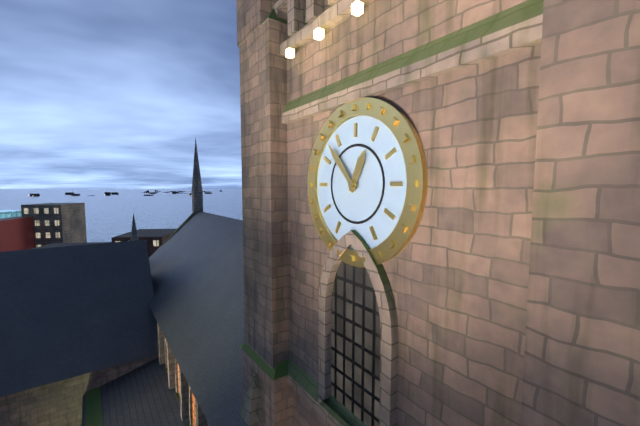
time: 12:53
